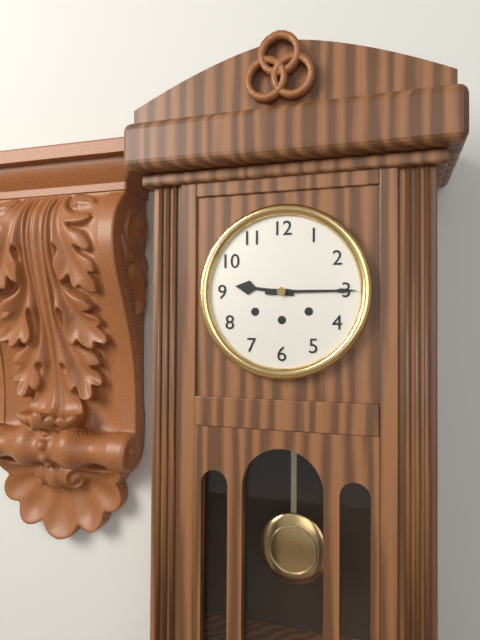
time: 9:15
